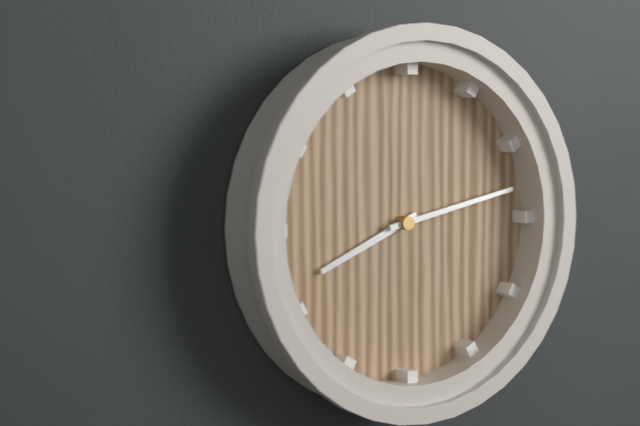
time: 8:13
